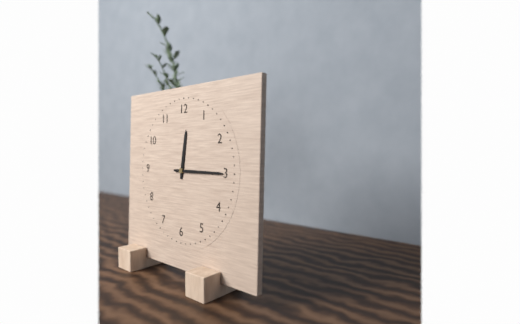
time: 12:15
